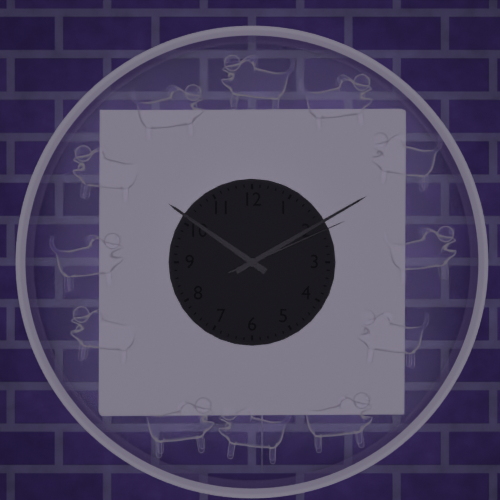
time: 10:10:11
